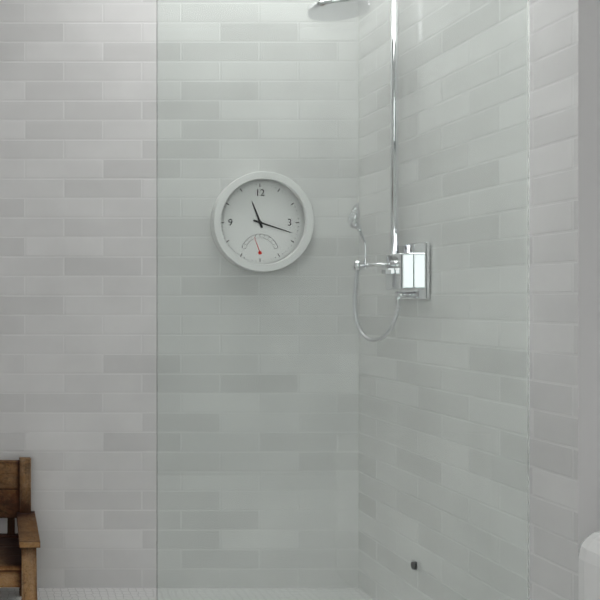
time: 11:18
